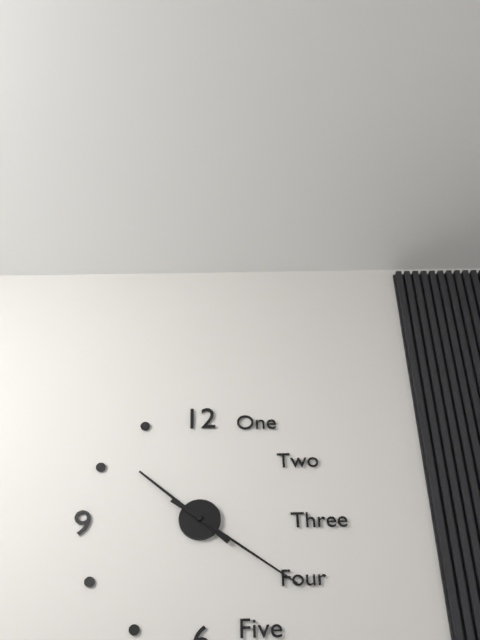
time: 10:21
